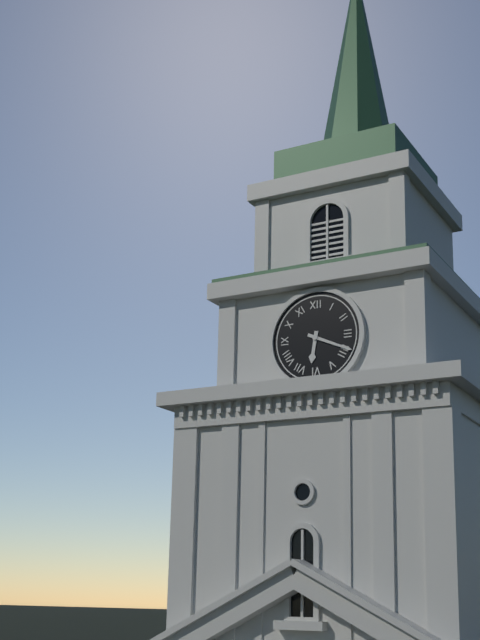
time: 6:19
